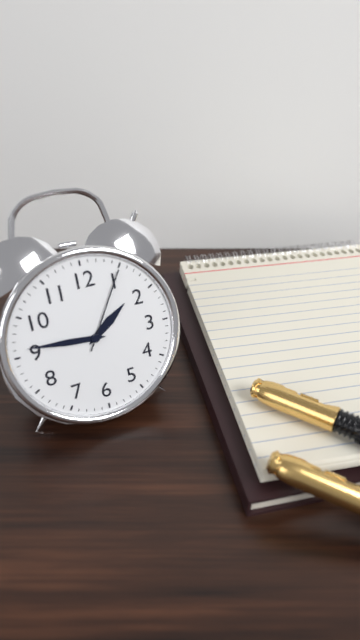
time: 1:46:05
